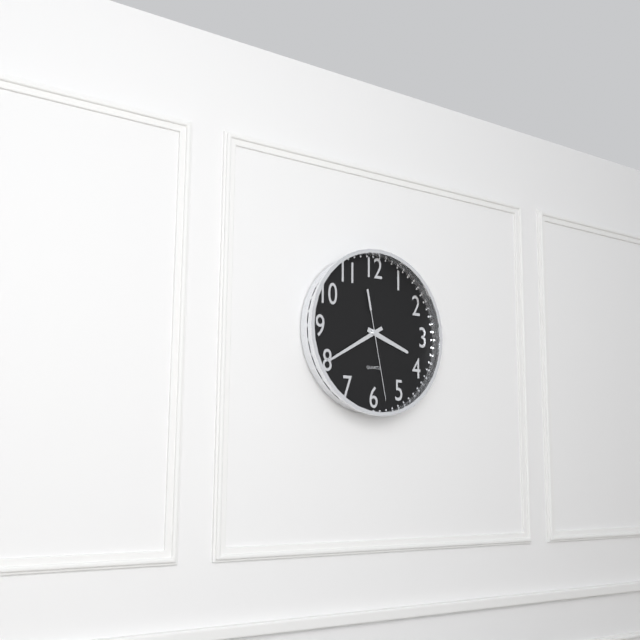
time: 3:40:28
